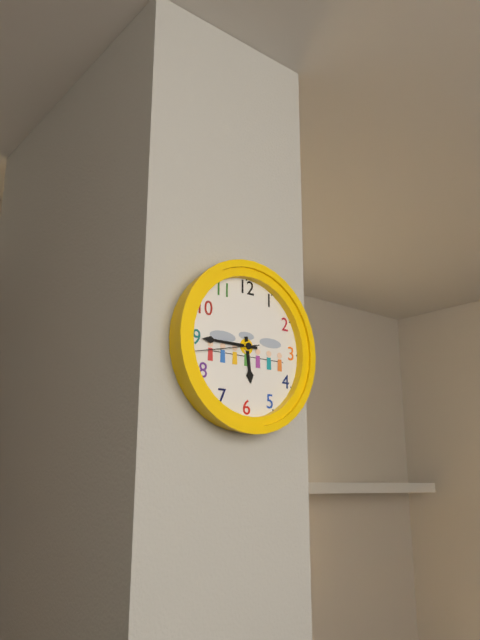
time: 5:45:43
